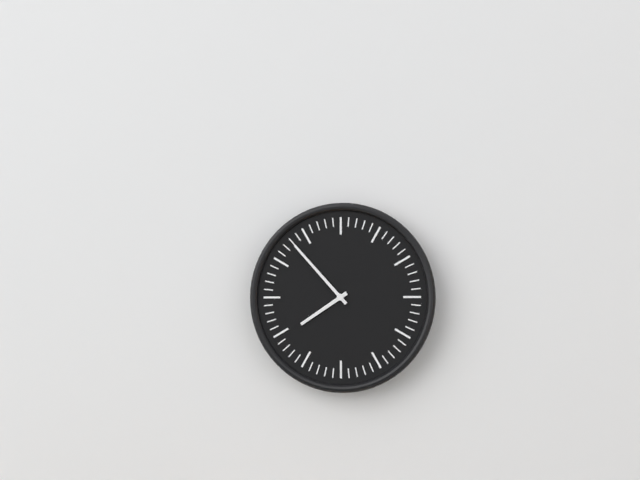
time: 7:53
